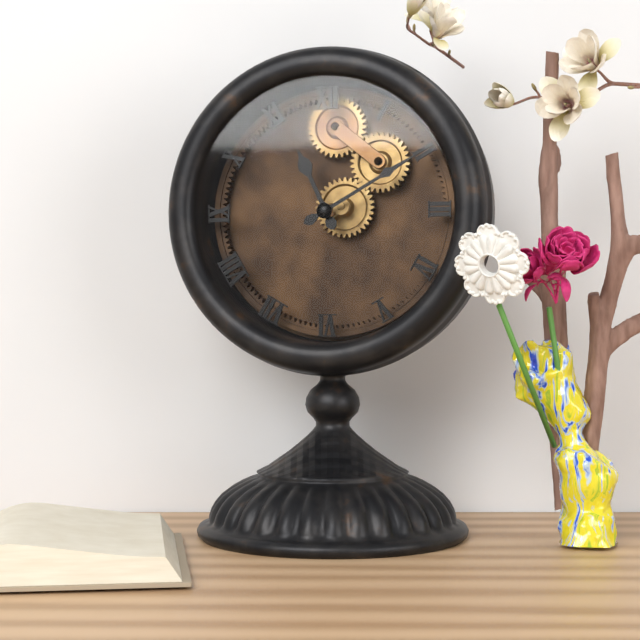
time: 11:10
